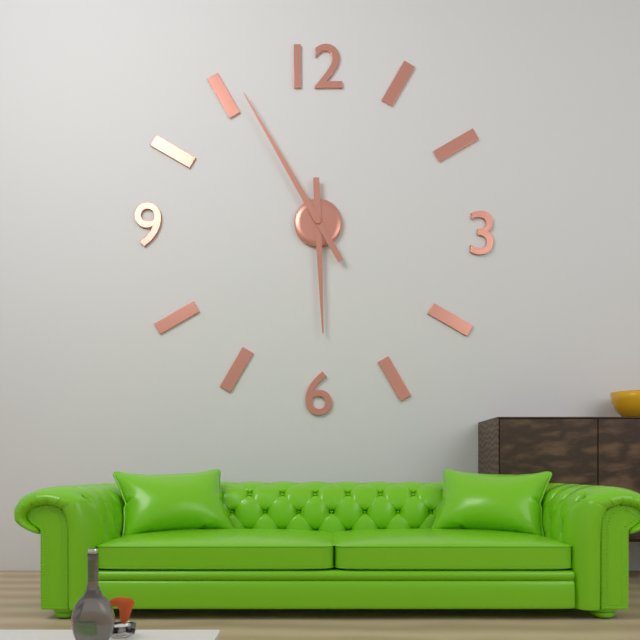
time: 5:55
